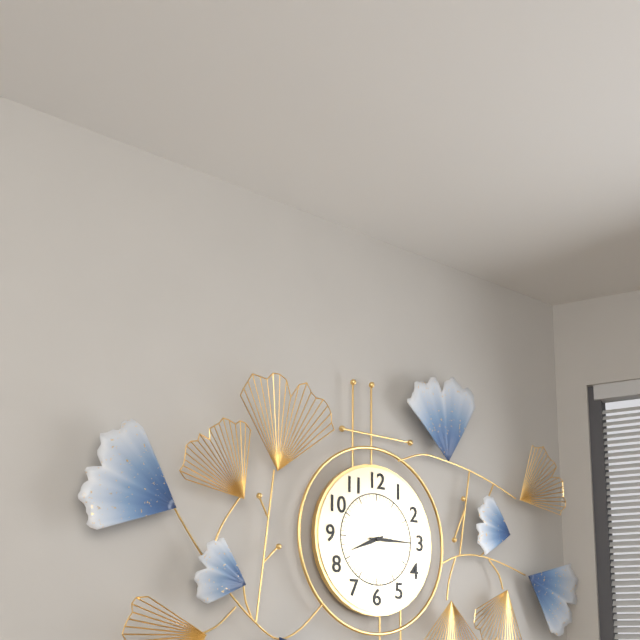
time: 8:15
